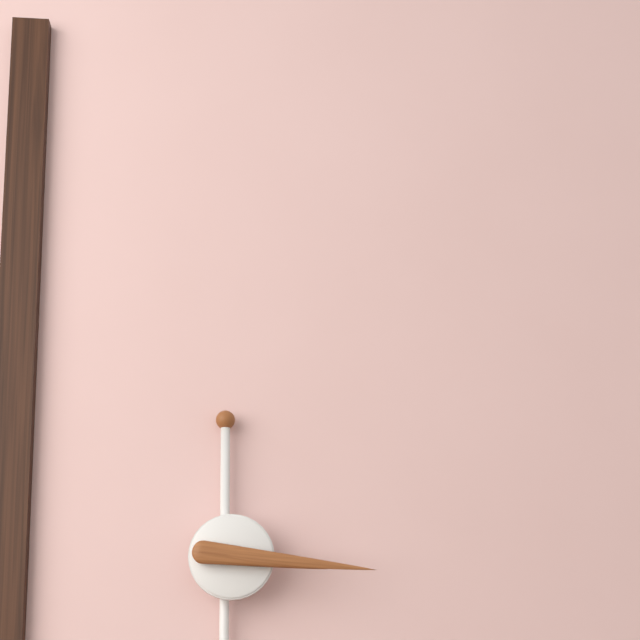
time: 3:16
